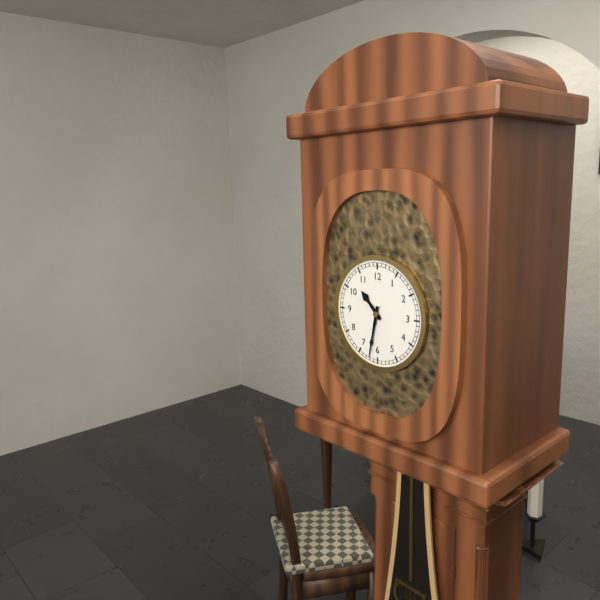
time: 10:32
